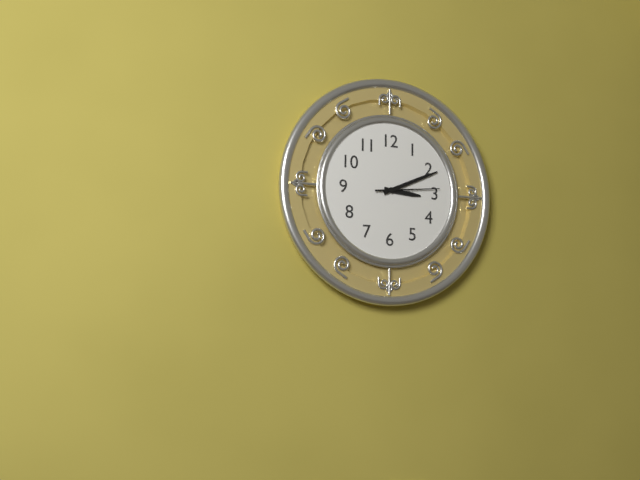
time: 3:11:14
